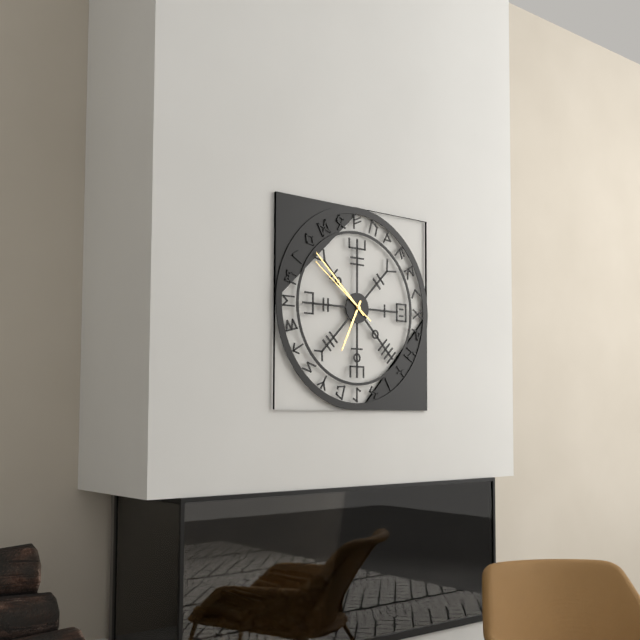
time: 6:52:51
